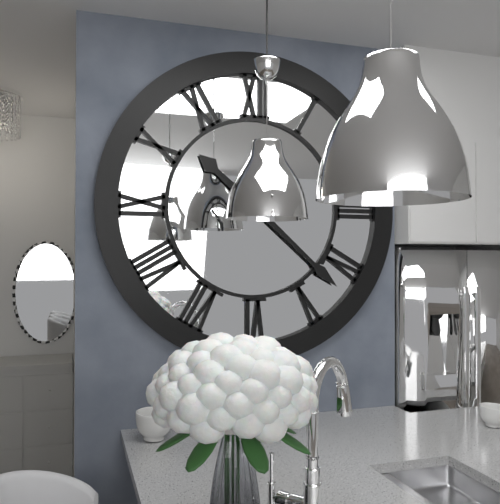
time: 10:22
